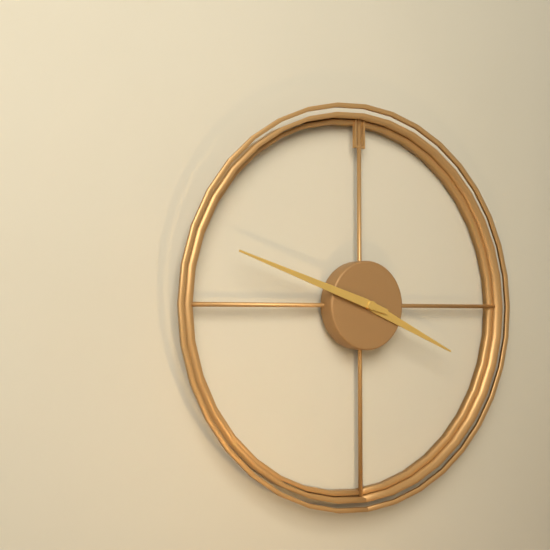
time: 3:48
